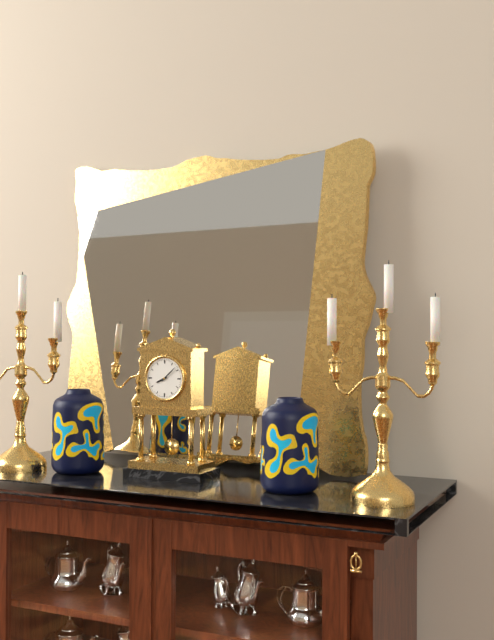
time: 8:08
